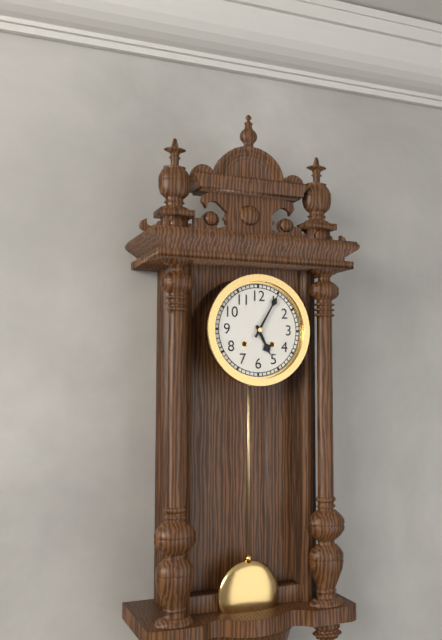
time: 5:05
